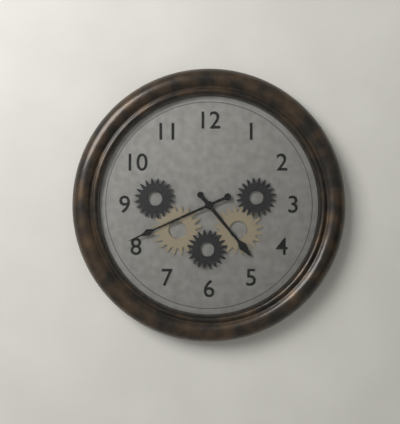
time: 4:41
